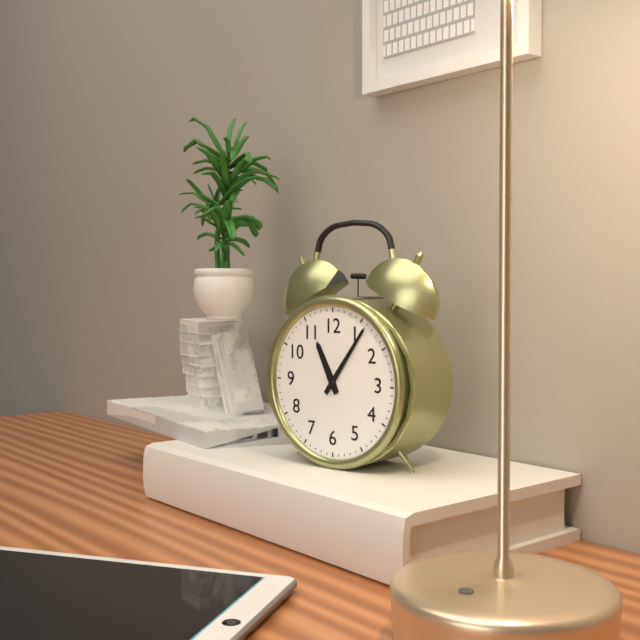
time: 11:06
